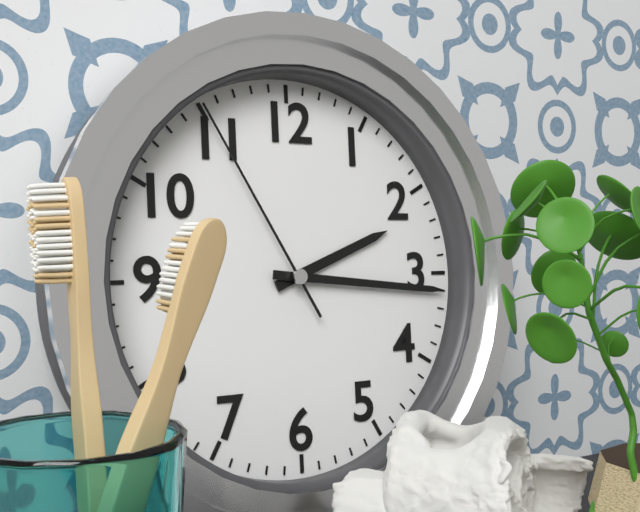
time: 2:16:55
